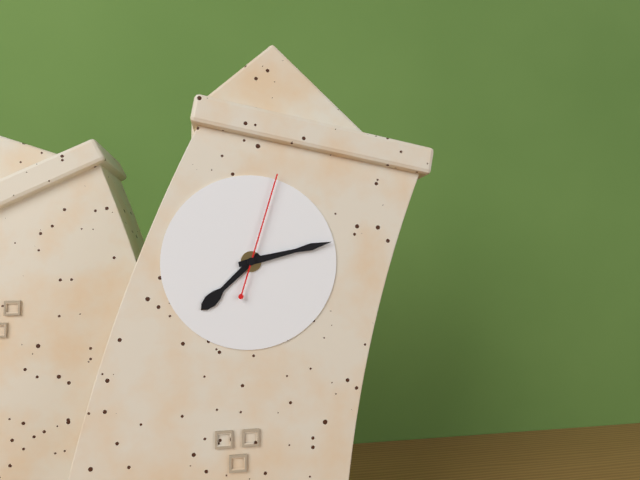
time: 7:11:01
